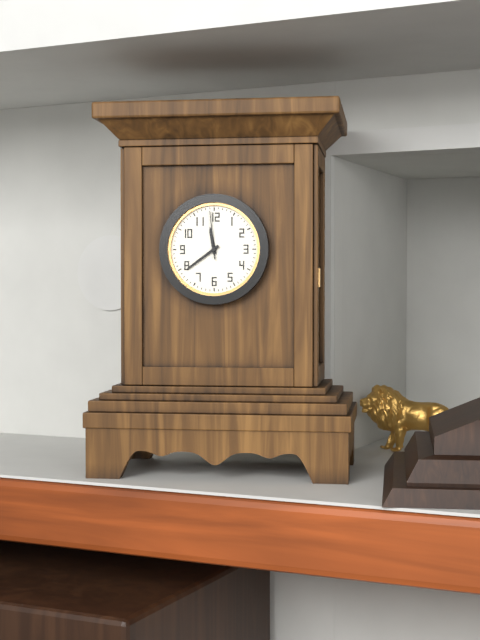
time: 11:39:59
